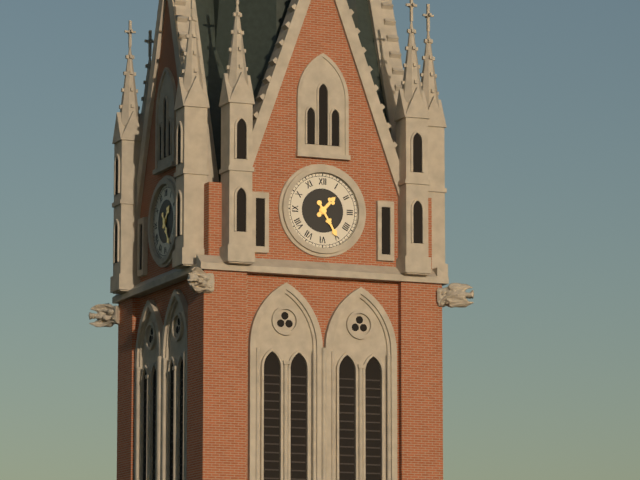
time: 1:25
